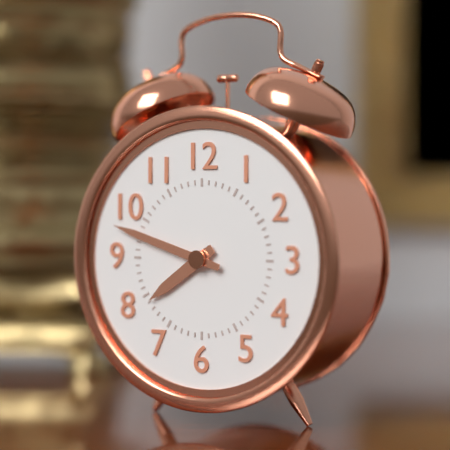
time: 7:48
